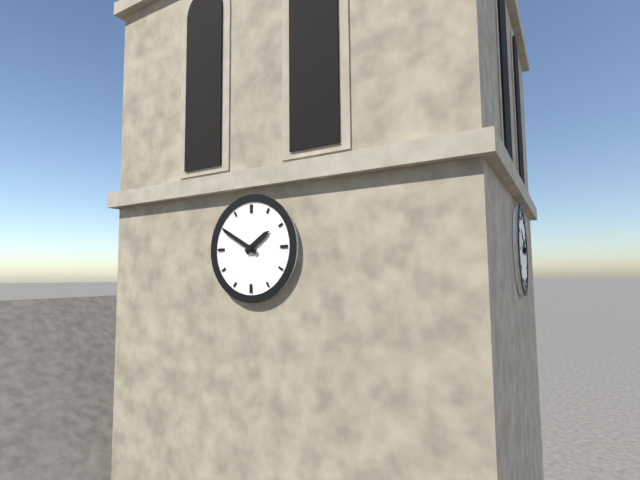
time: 1:50
